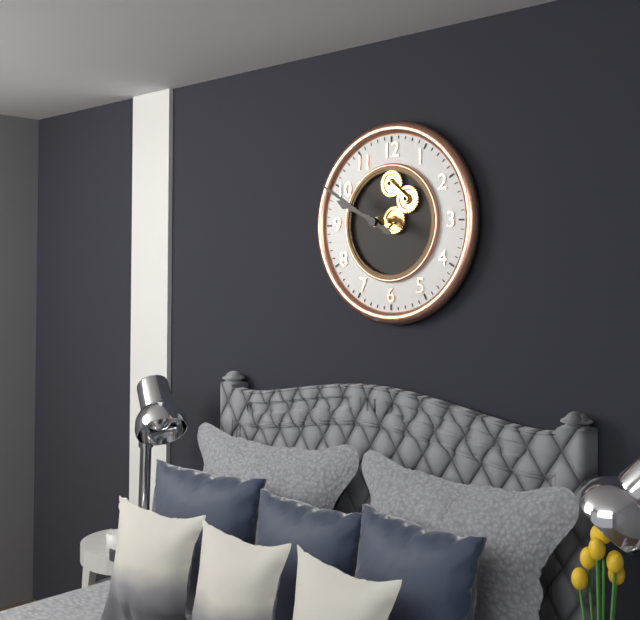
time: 9:50
